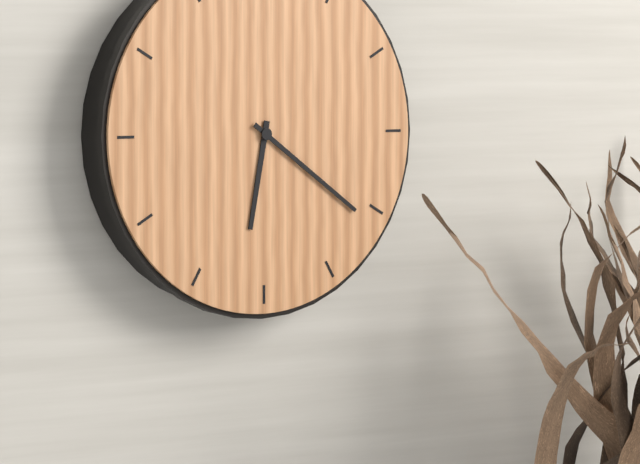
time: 6:21
